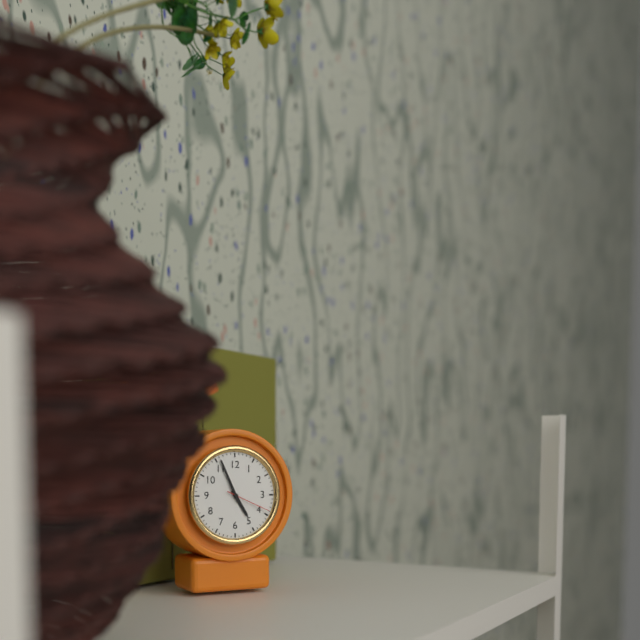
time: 4:56
